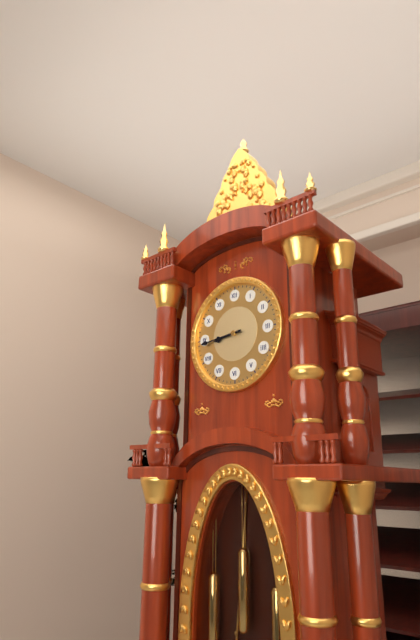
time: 8:44
